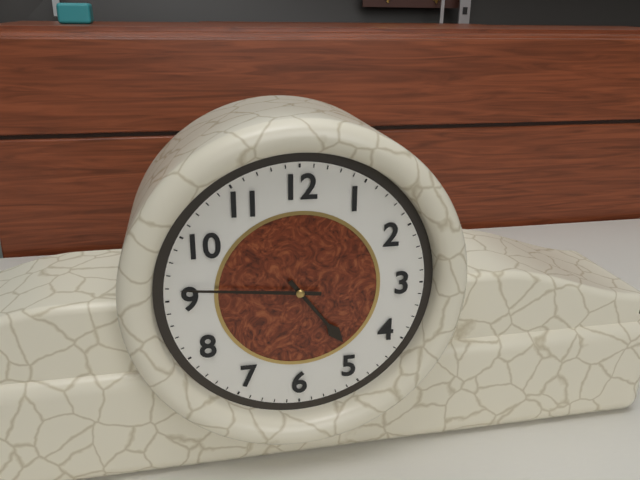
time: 4:46
